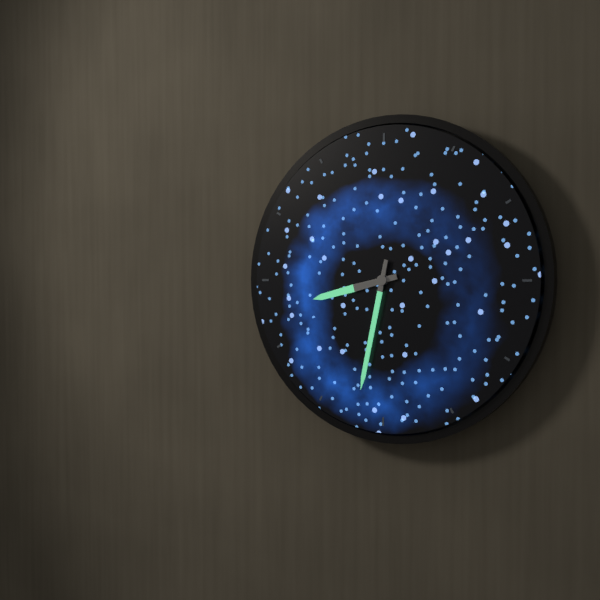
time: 8:32
